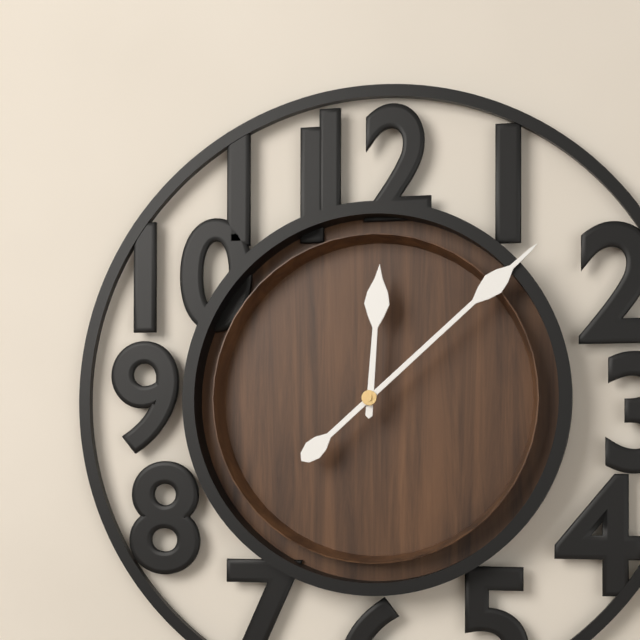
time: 12:08
